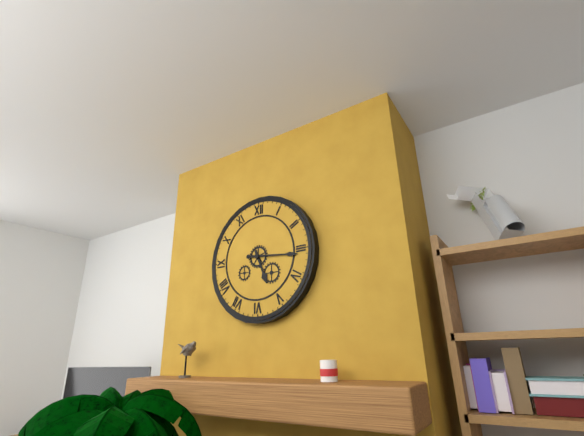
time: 5:16
